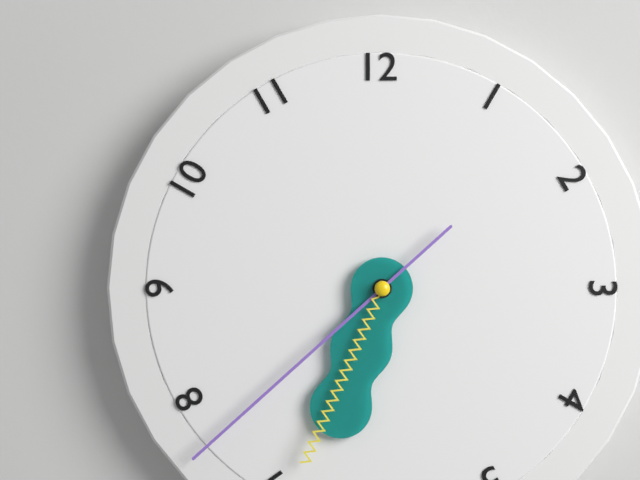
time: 6:38:34
